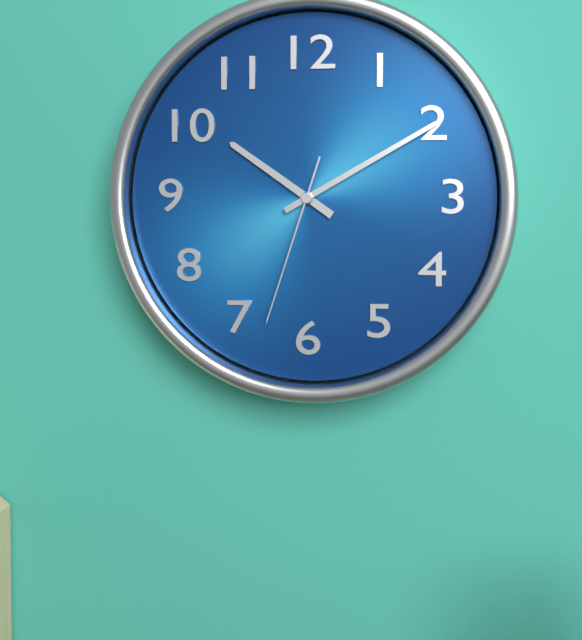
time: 10:10:33
